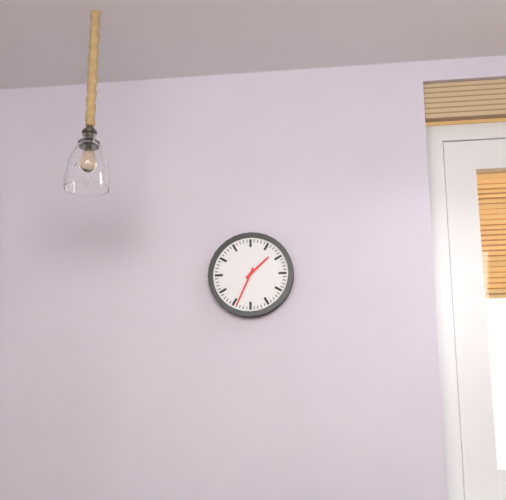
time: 1:34
